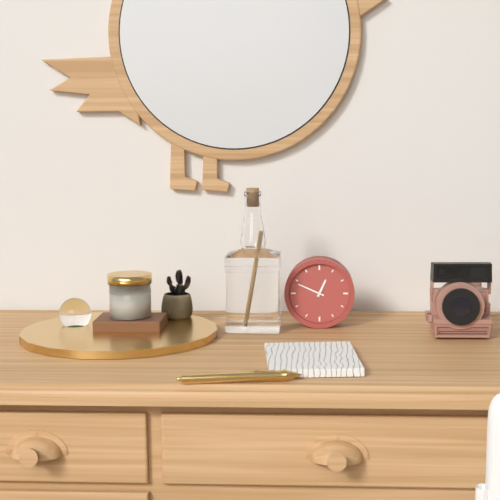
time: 12:49
